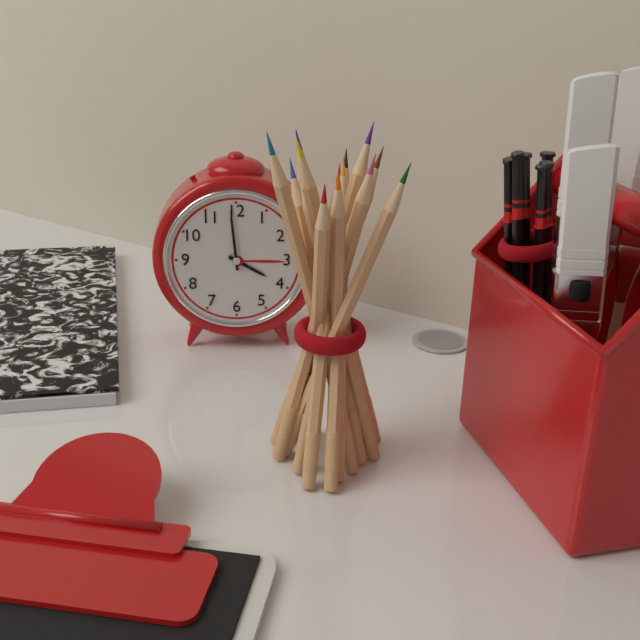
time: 3:59
